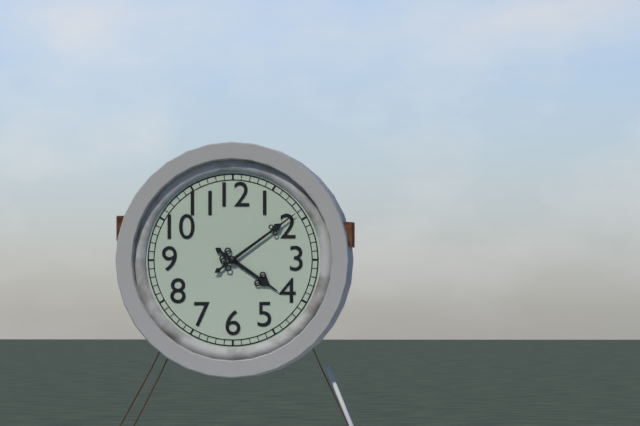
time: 4:09
